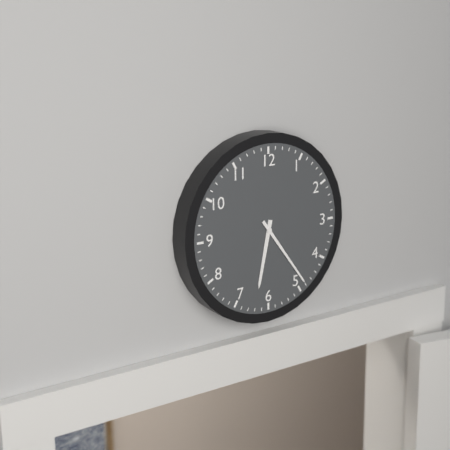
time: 6:24
